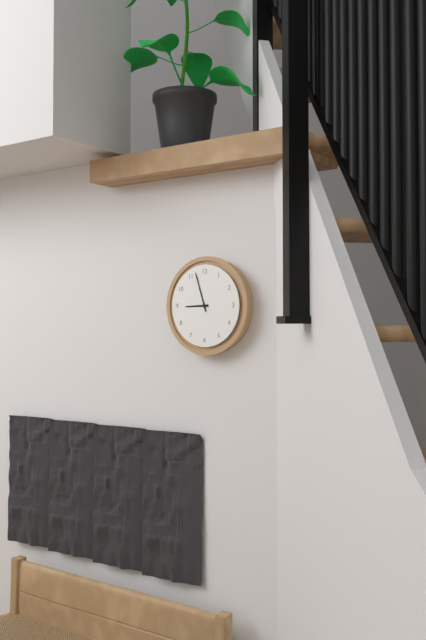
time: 8:57
